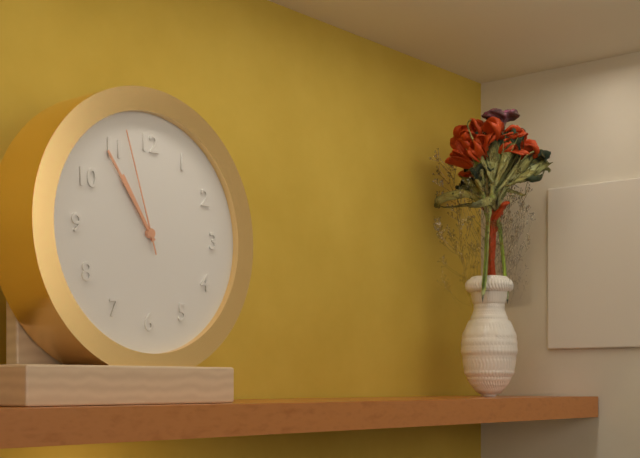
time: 10:54:57
